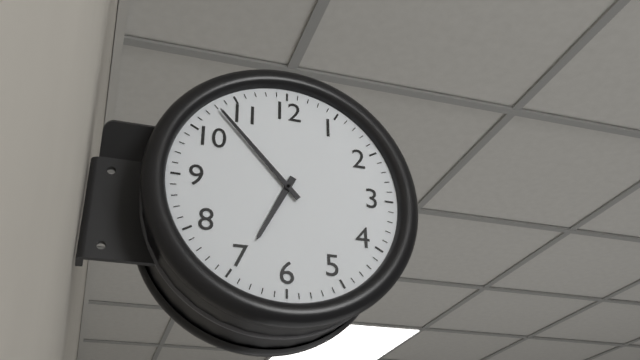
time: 6:53
